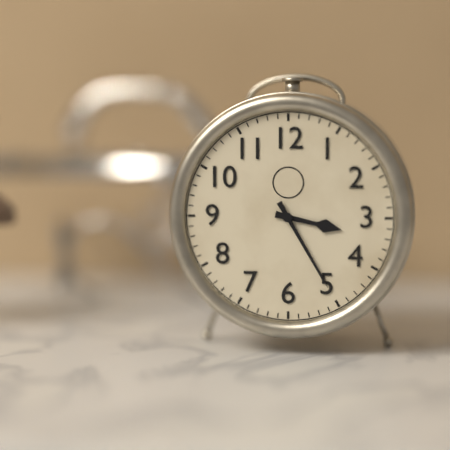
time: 3:25
